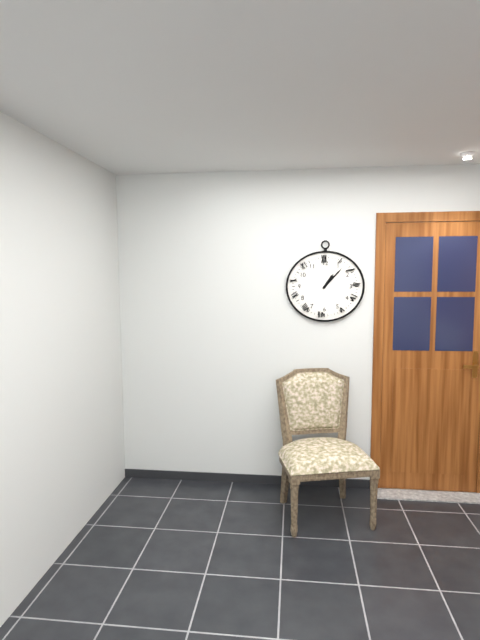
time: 1:07
